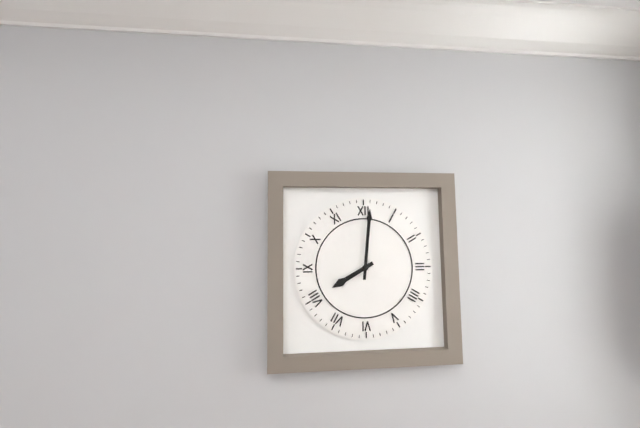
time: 8:01
